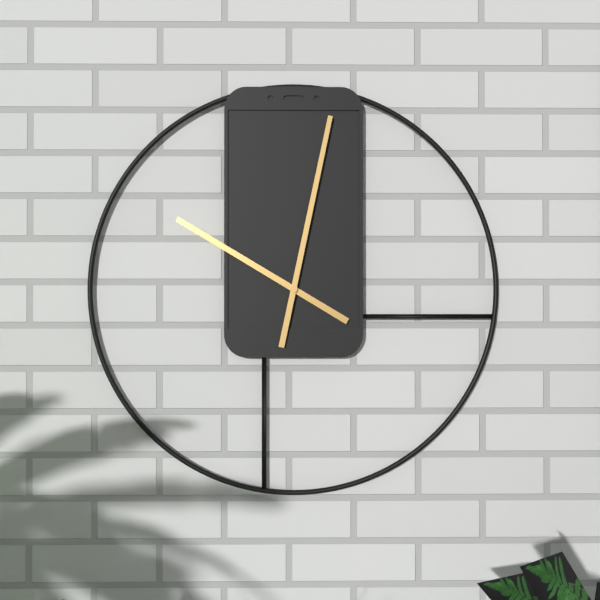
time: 10:02
